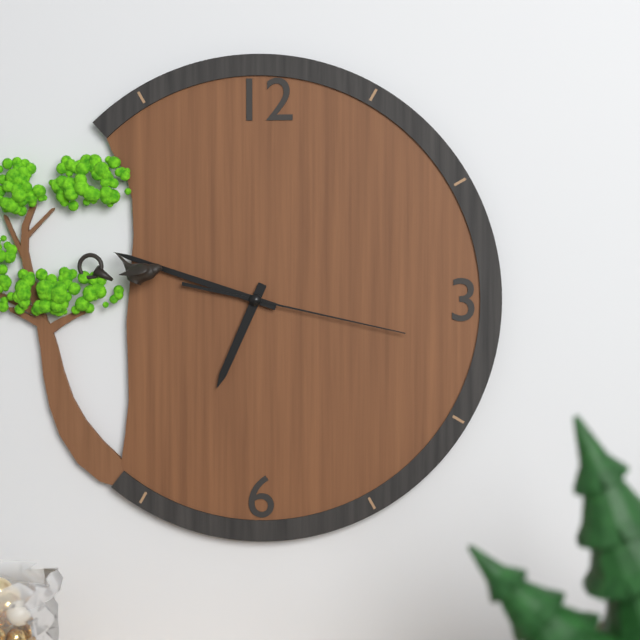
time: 6:48:17
